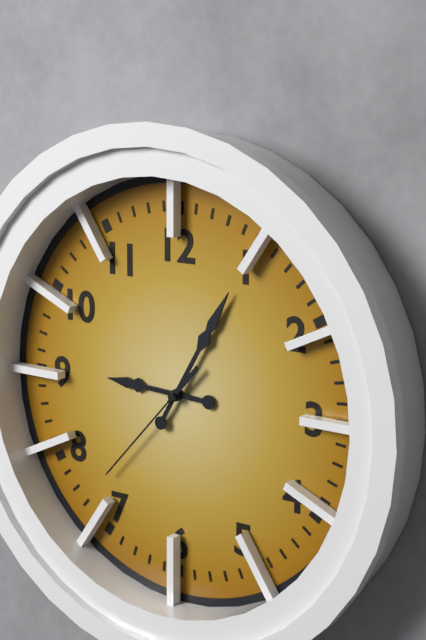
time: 9:05:37
